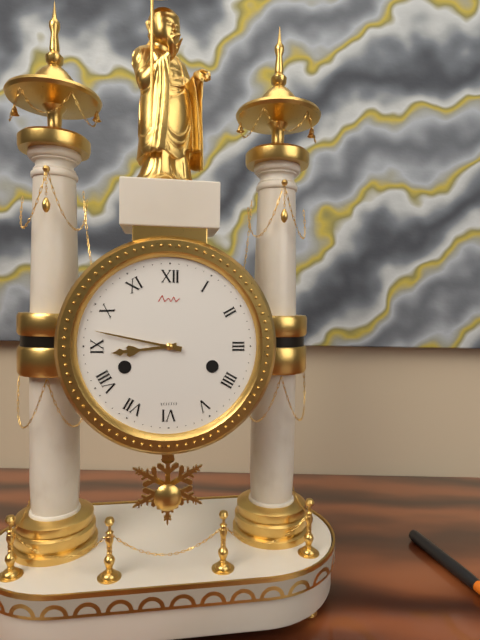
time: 8:47
